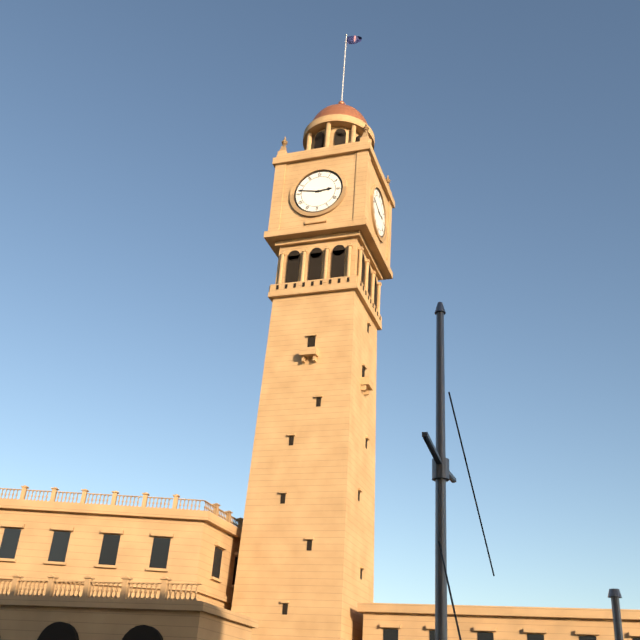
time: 2:47
